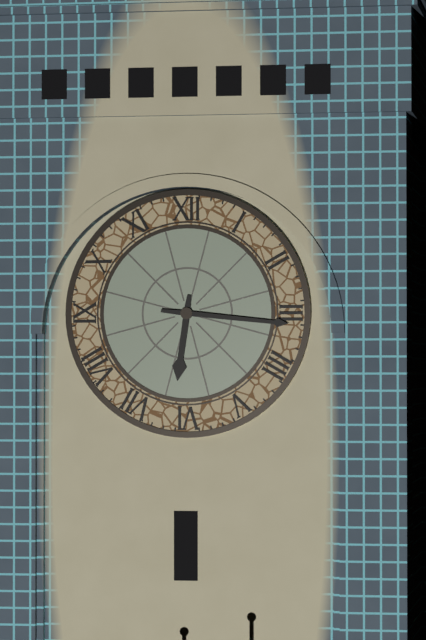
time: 6:16
